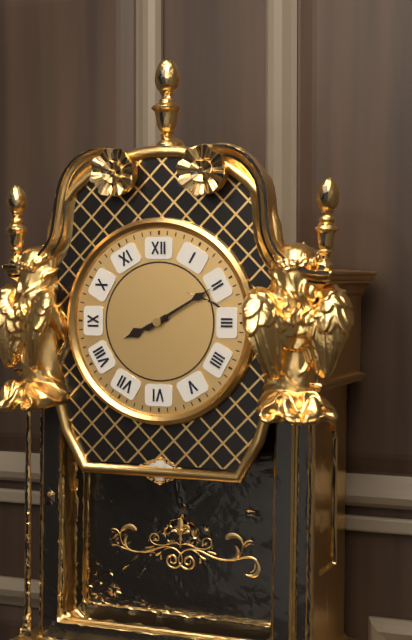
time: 8:10
